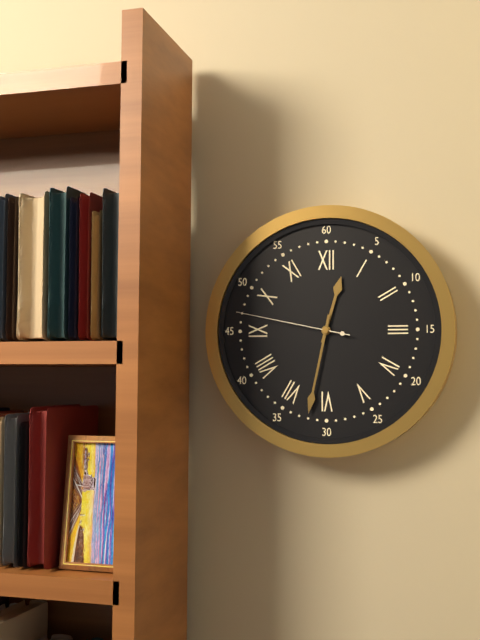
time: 12:32:47
